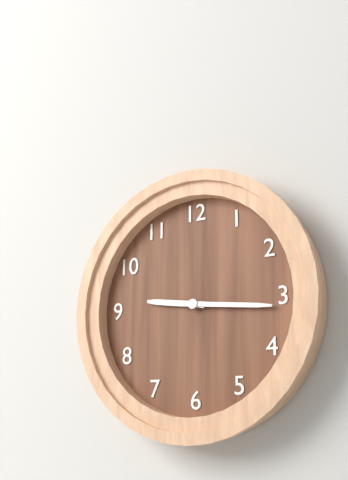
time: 9:16
